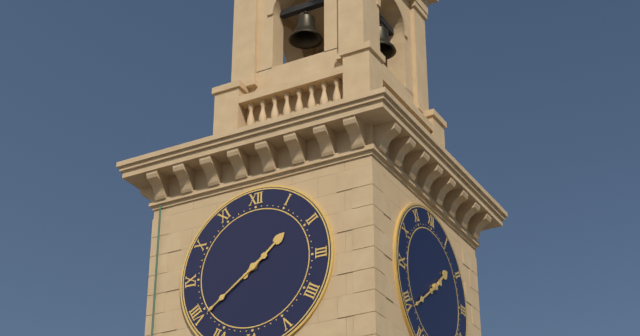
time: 1:39
